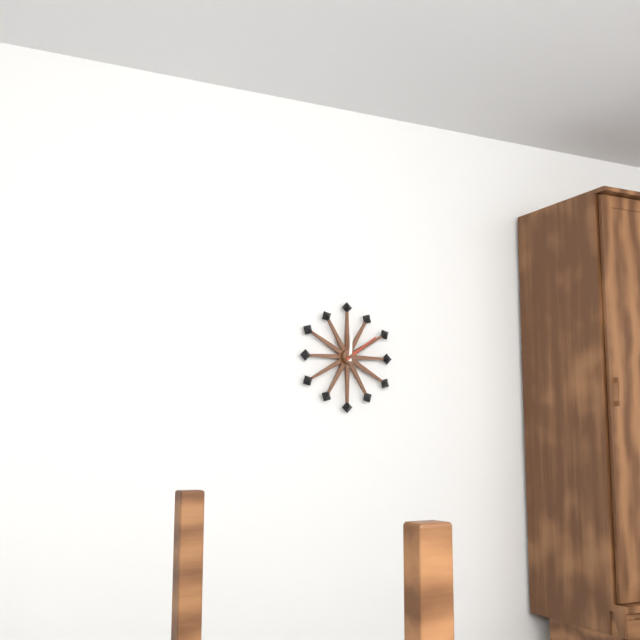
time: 12:09
